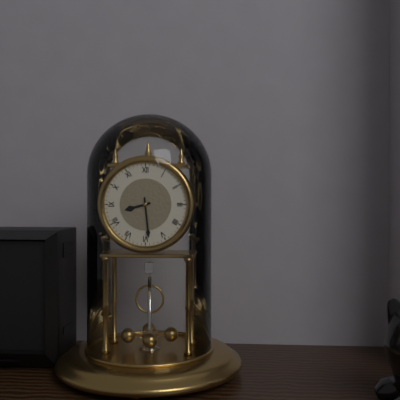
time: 8:29
